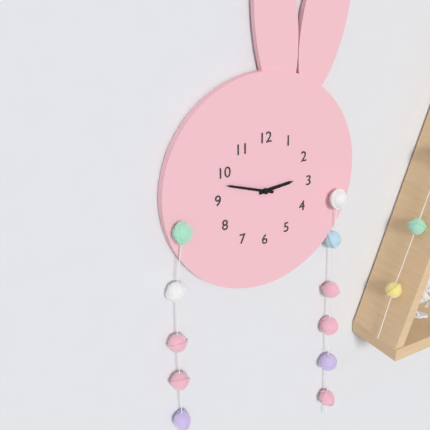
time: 2:48
